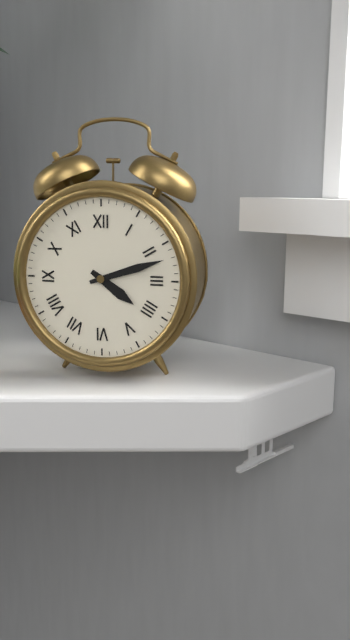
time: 4:12
